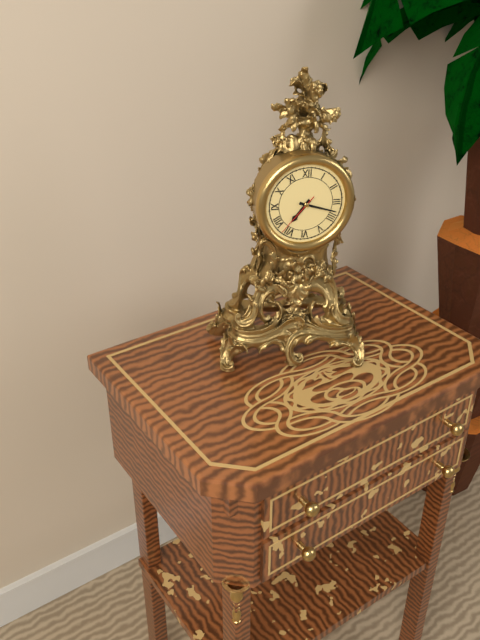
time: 7:18
